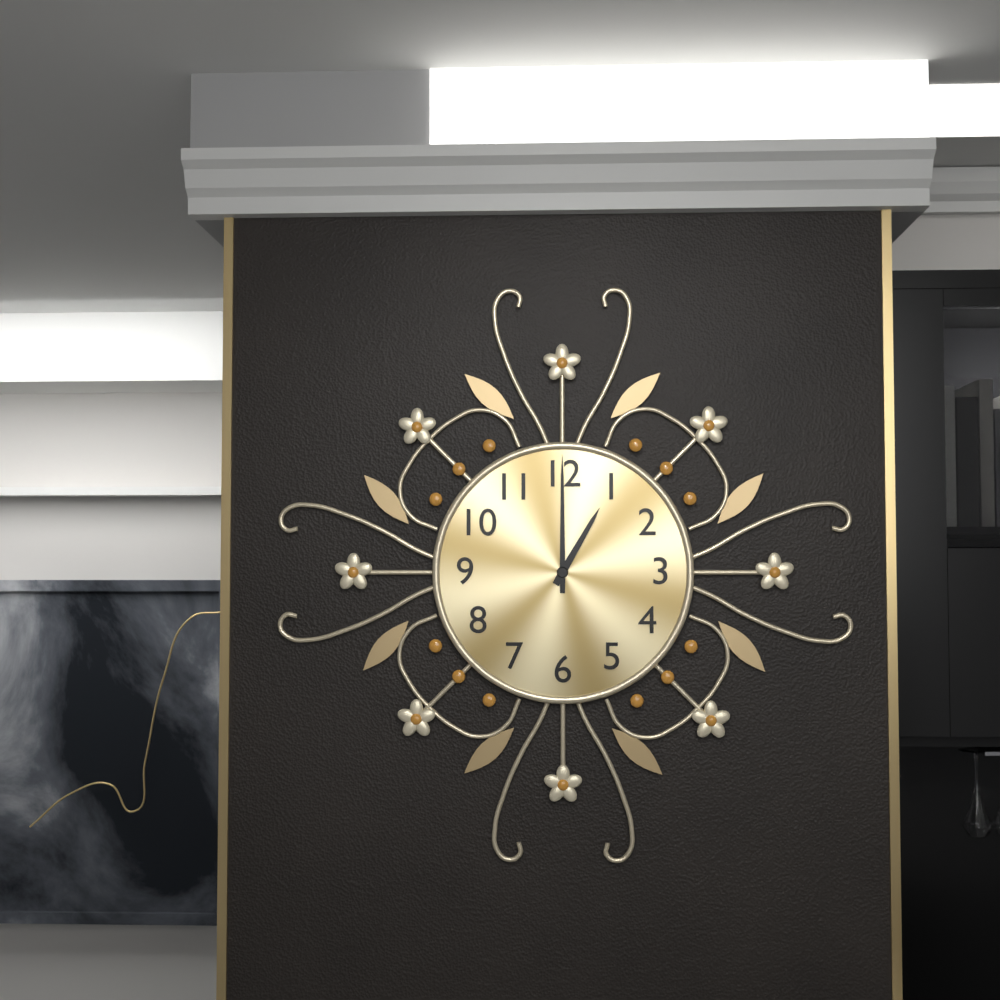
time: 1:00
